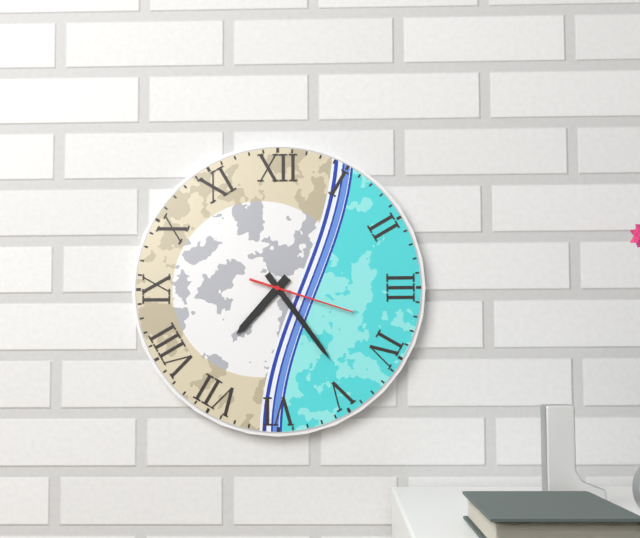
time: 7:24:18
